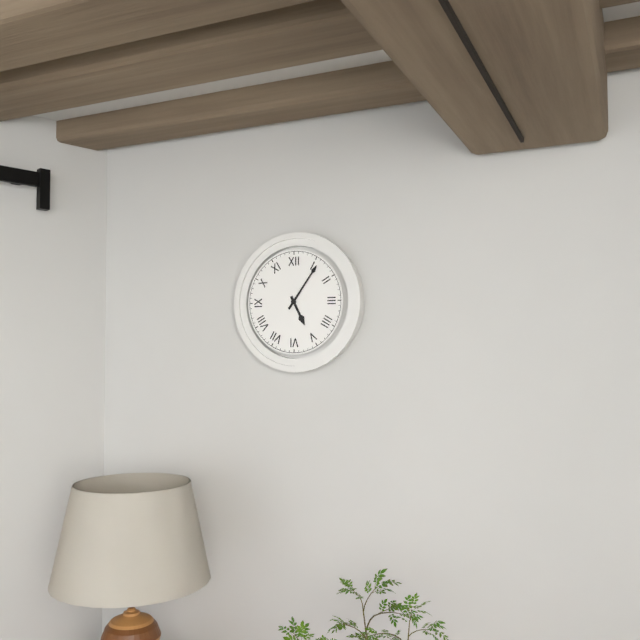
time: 5:06
